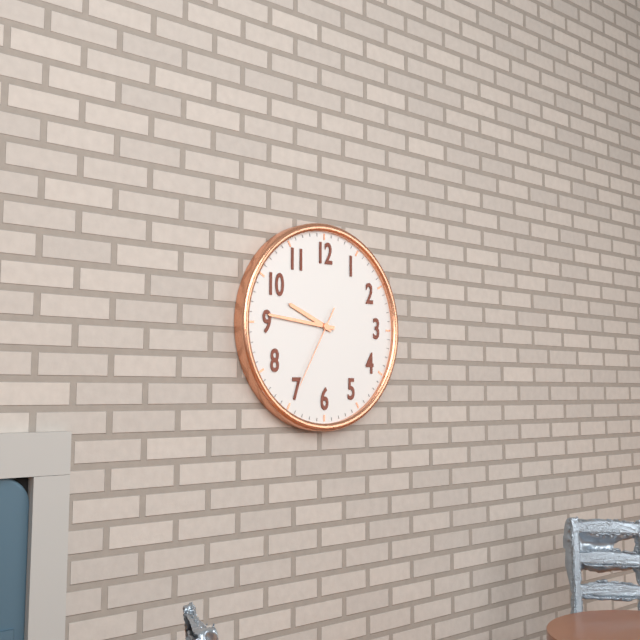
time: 9:46:35
